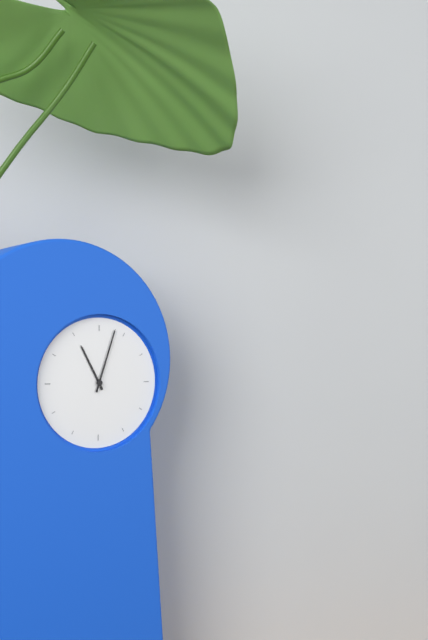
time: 11:03
